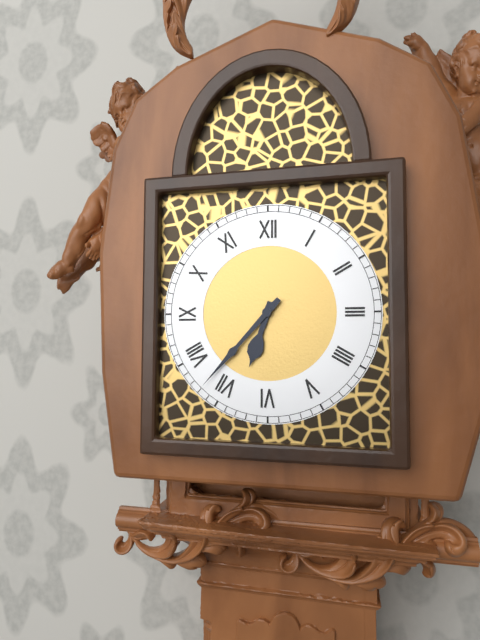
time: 6:37
